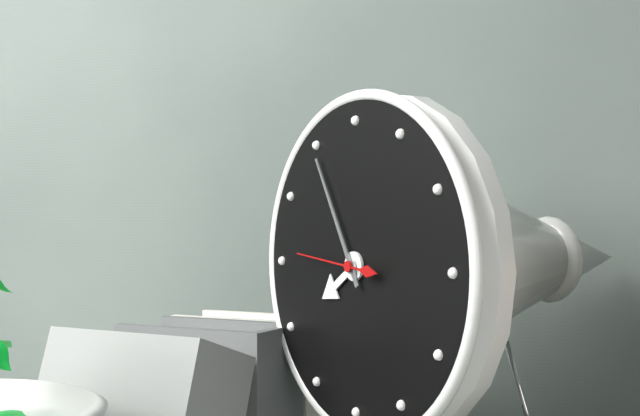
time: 7:55:46
